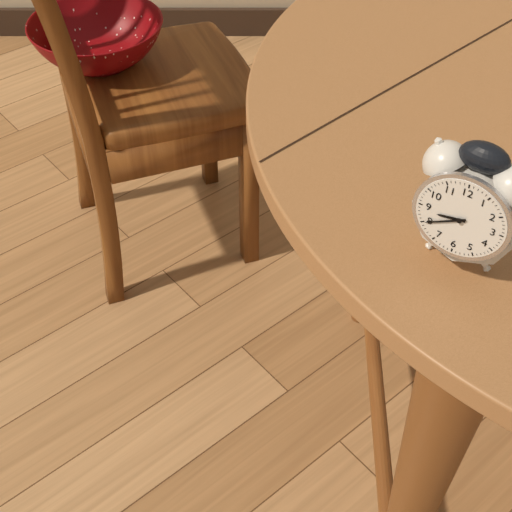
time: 8:40
